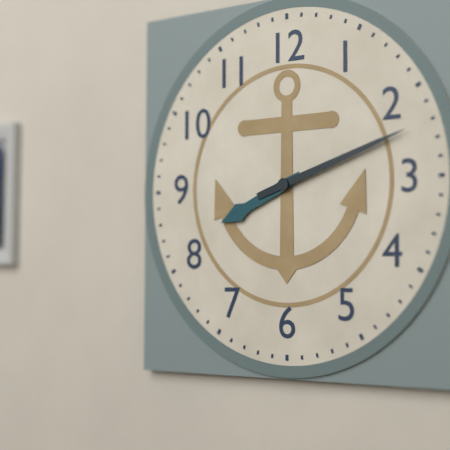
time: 8:12
